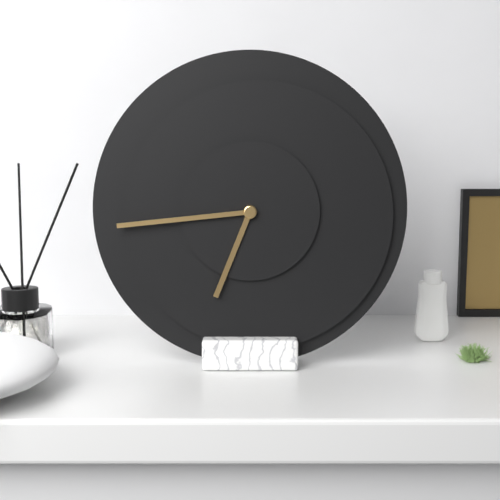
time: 6:44
